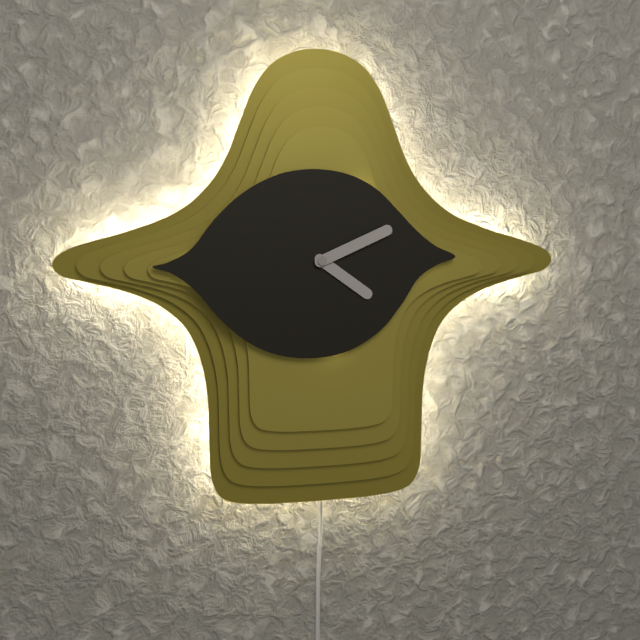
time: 4:11
